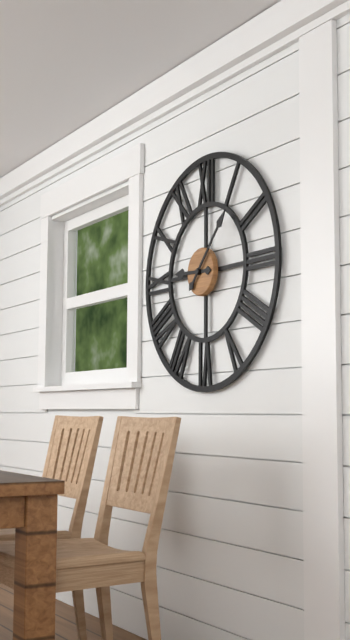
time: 9:07
